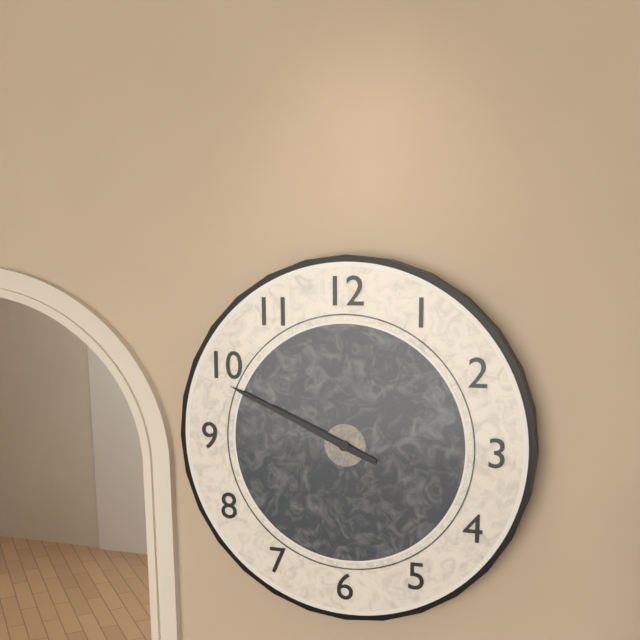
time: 9:49
